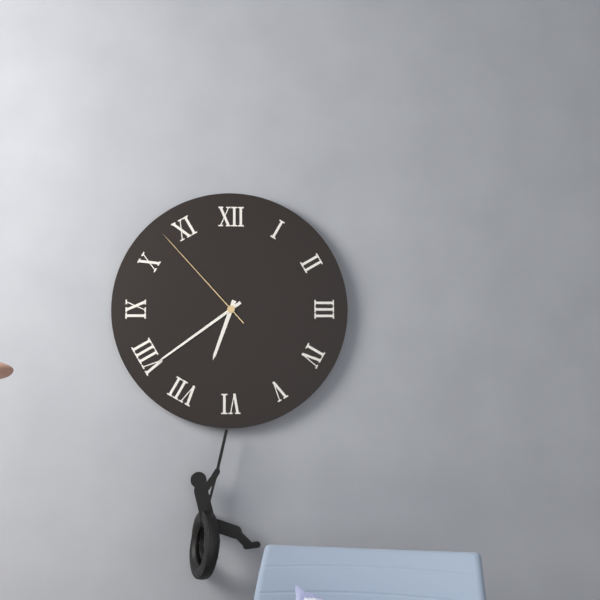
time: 6:39:53
